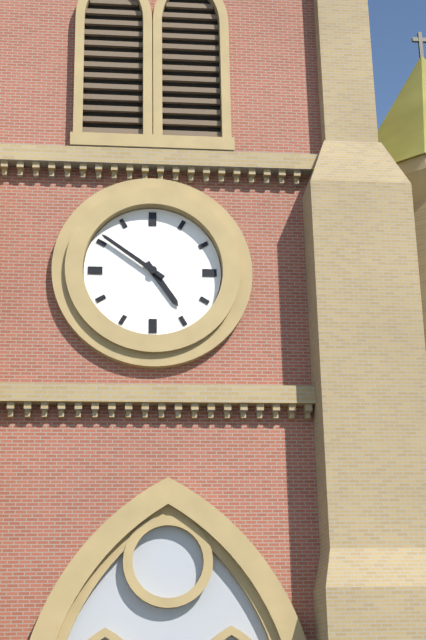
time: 4:51
